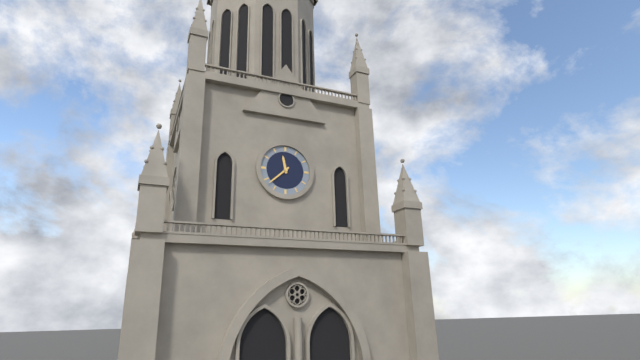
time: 11:38
